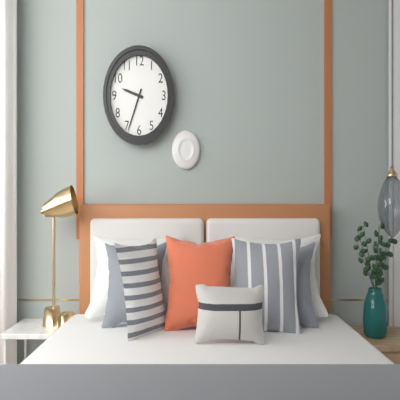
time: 9:34
